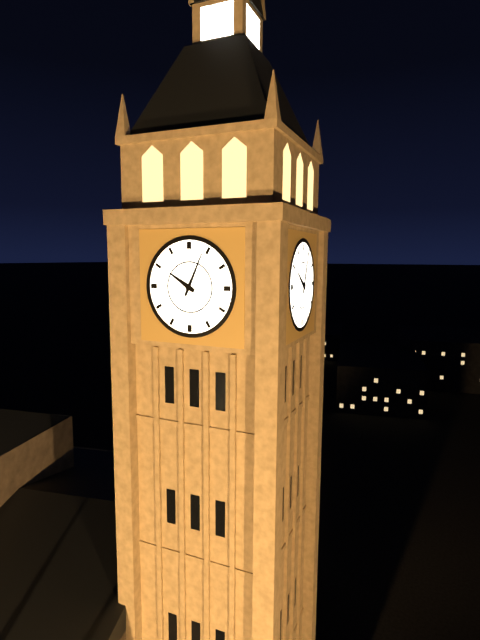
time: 10:04
